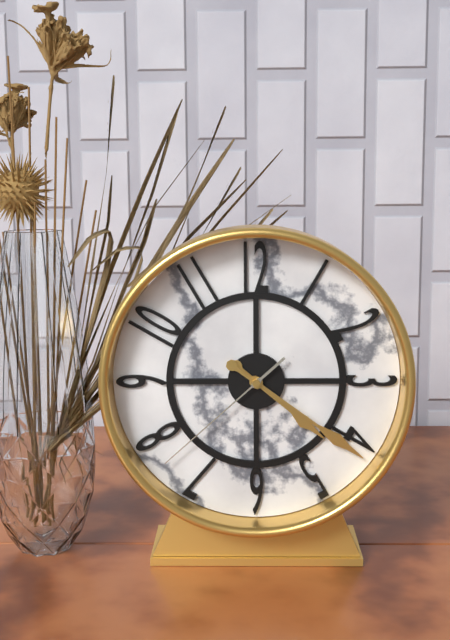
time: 4:21:38
